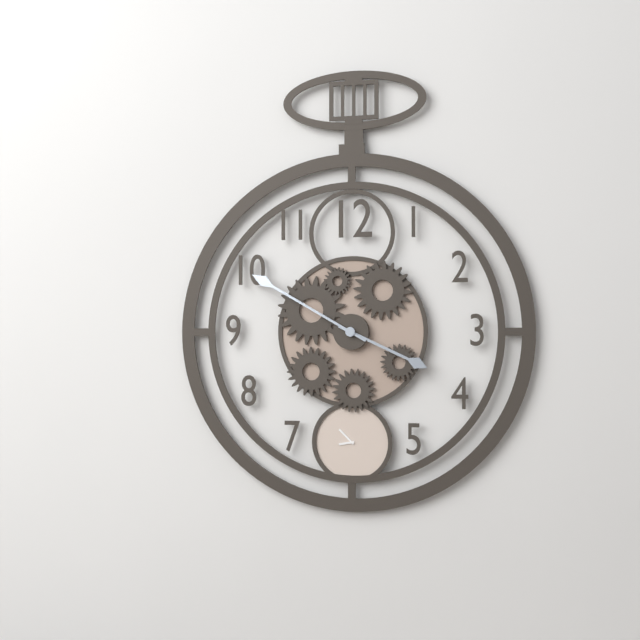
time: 3:50
